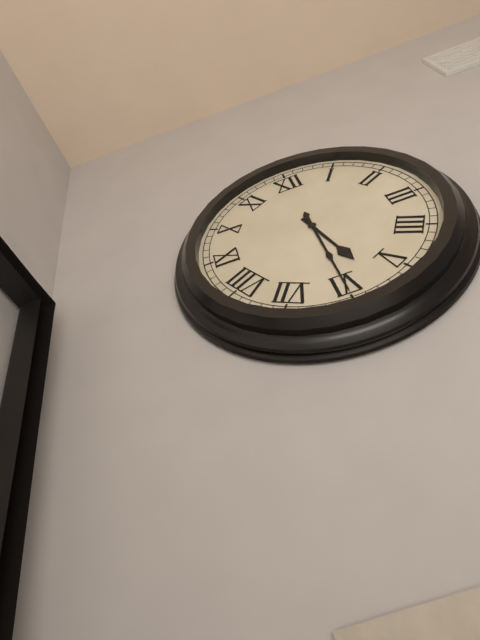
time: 5:30
